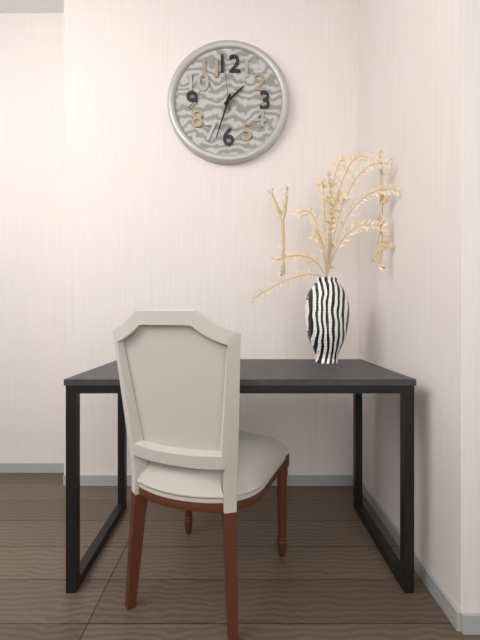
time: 1:33
